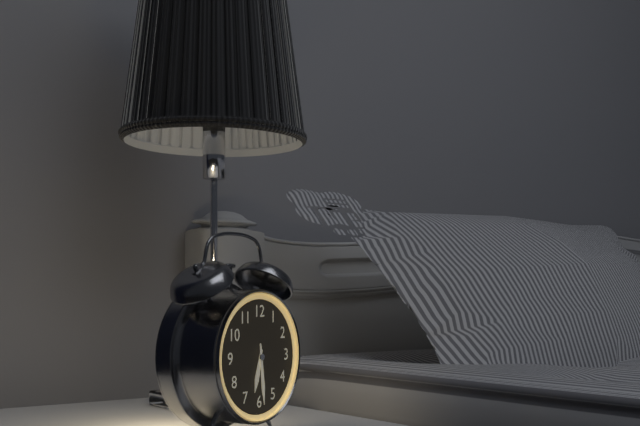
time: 6:29
